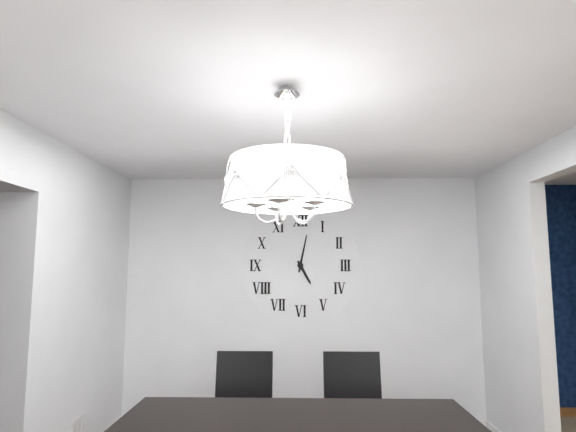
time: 5:02
